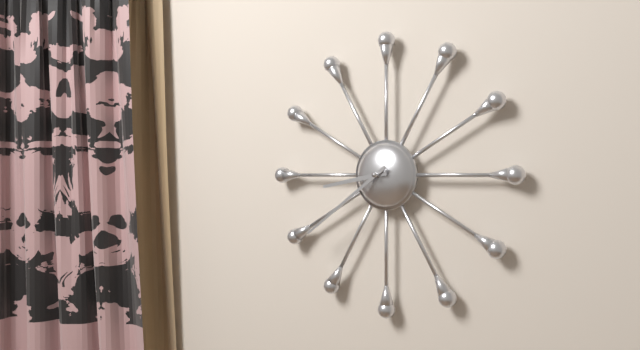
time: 8:39
